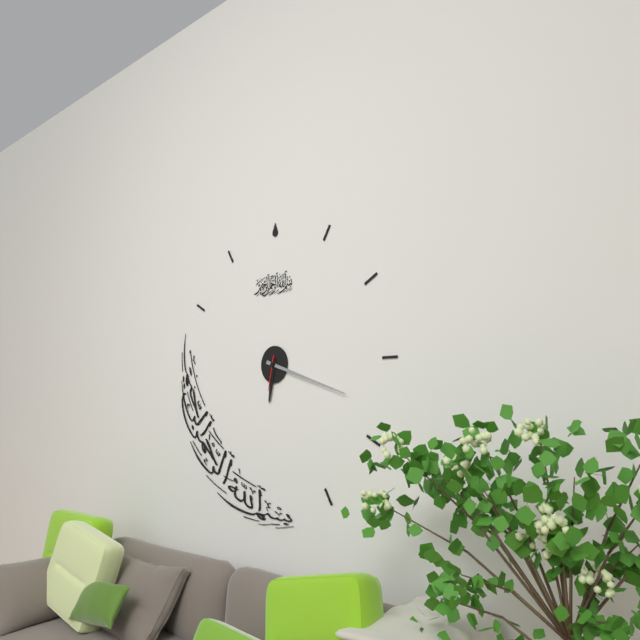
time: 6:18
